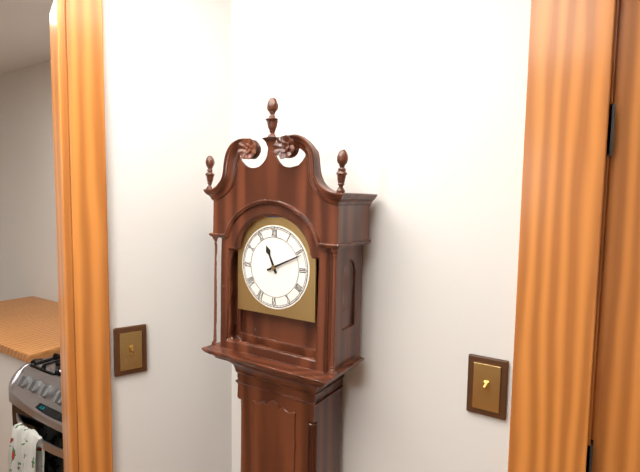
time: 11:11
